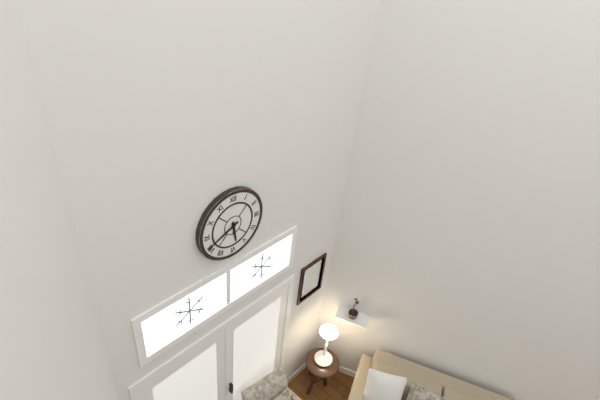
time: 5:41
